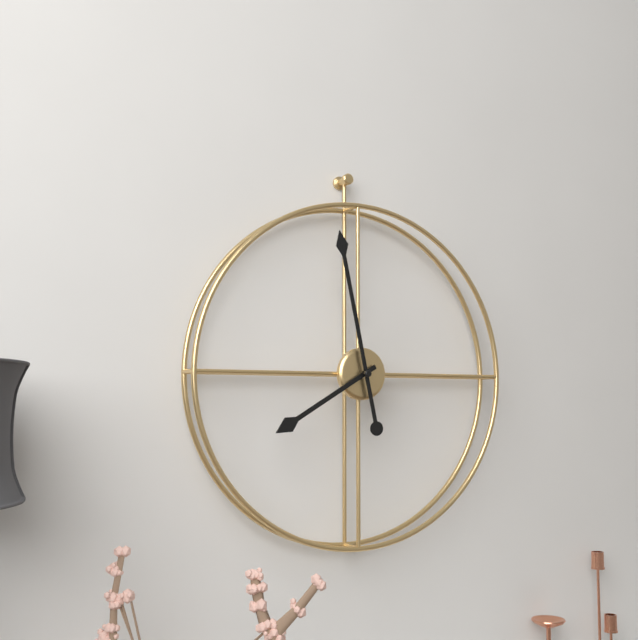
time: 7:58
